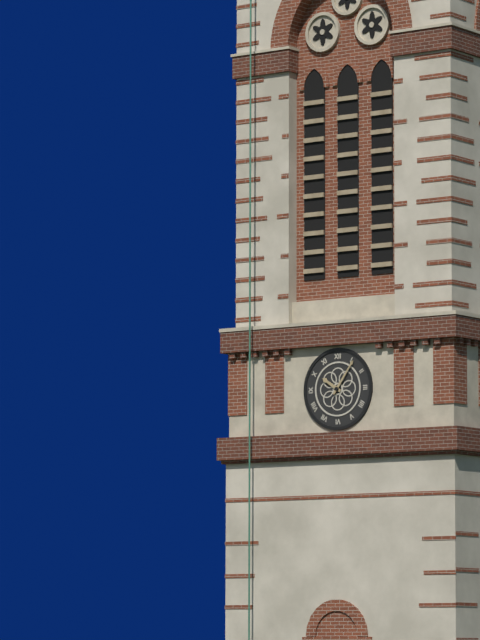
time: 10:06
